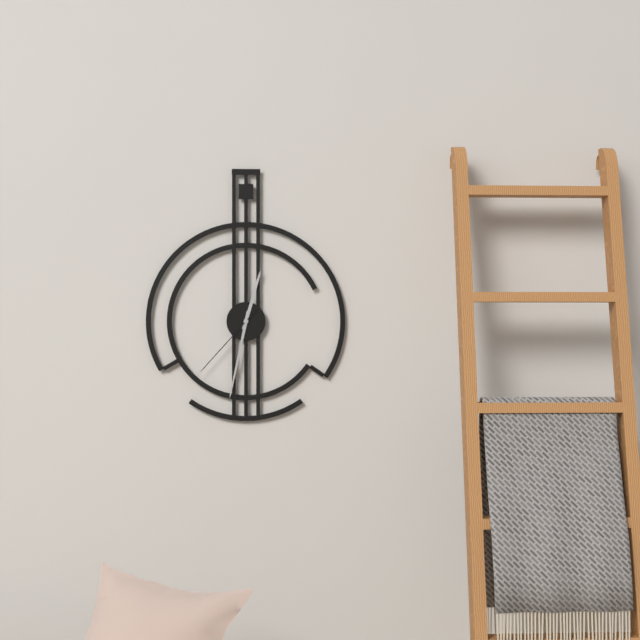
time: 12:32:37
